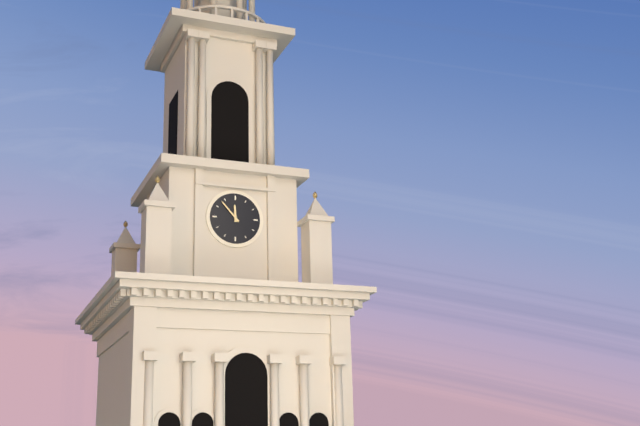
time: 11:53
